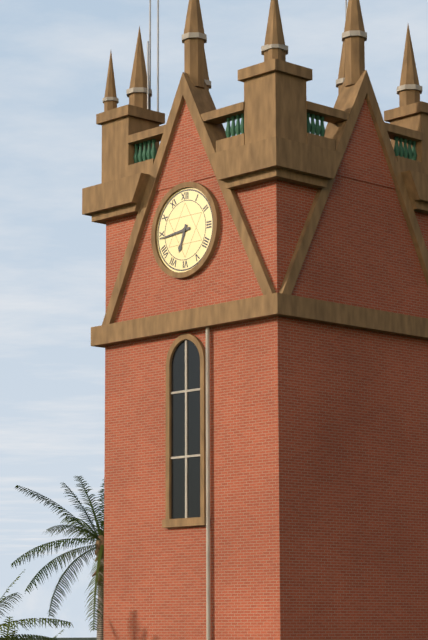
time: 6:44
